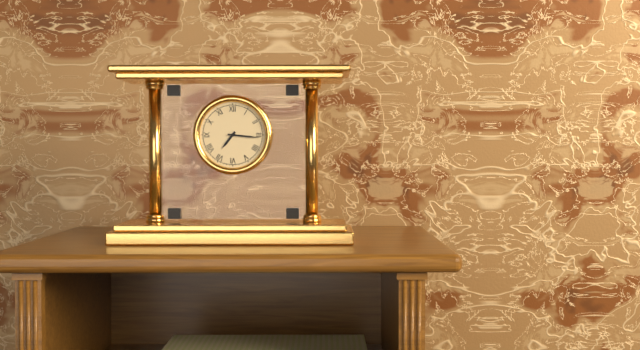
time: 7:16
